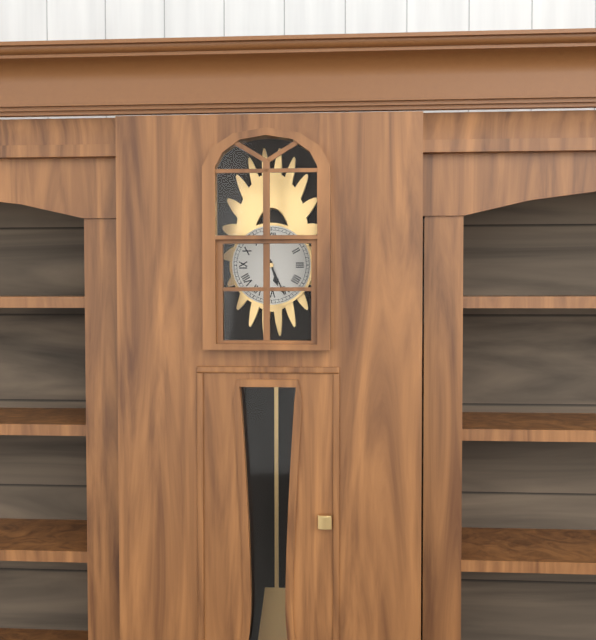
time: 5:26
